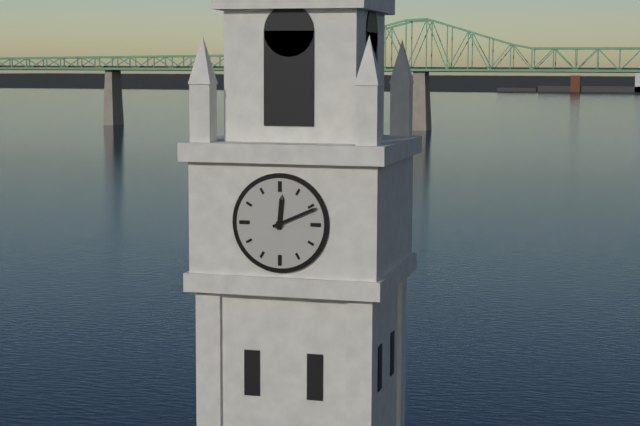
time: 12:11
